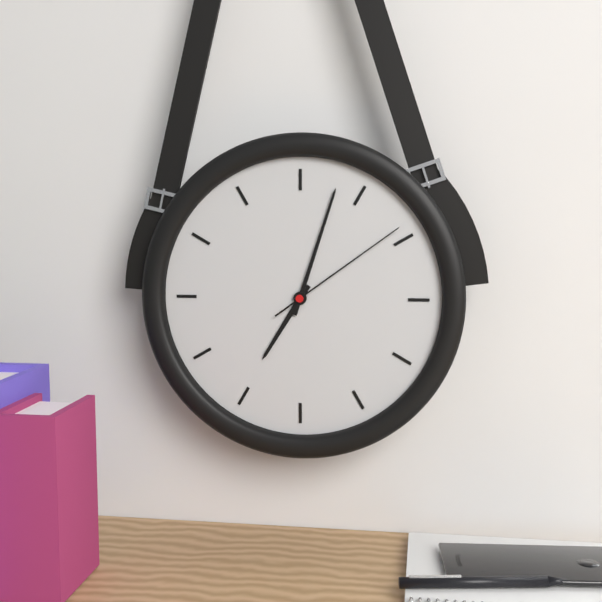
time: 7:03:09
